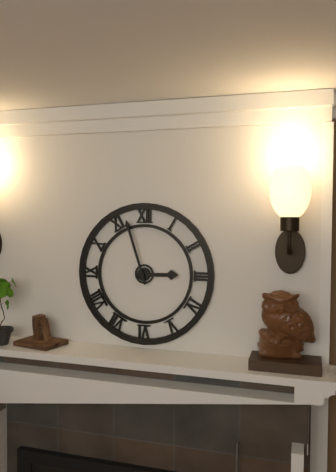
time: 2:57
